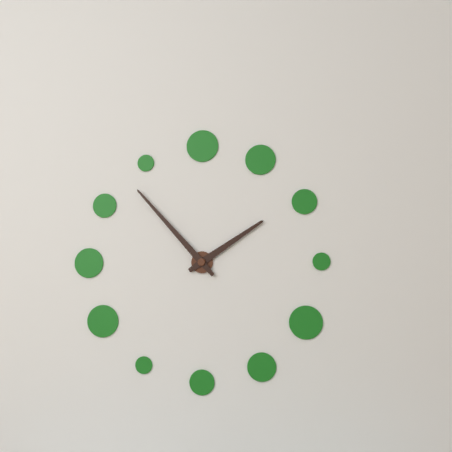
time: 1:53
